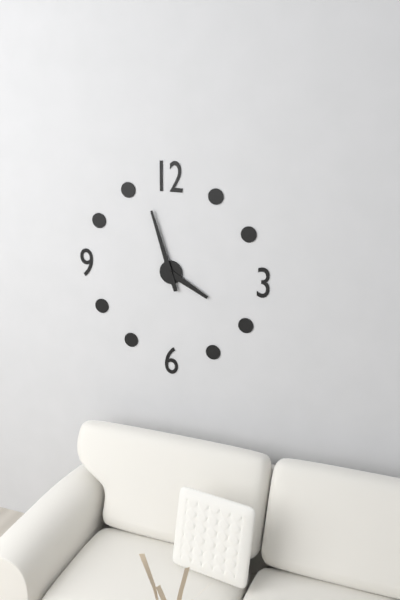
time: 3:57
